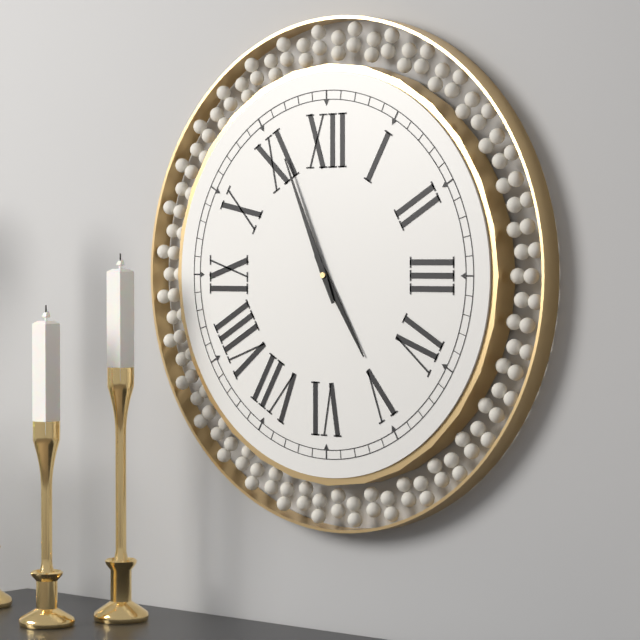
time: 4:56
